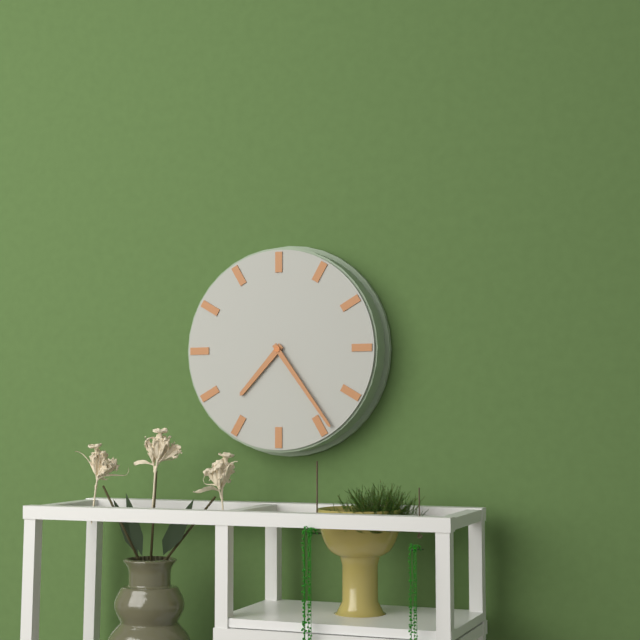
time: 7:24
